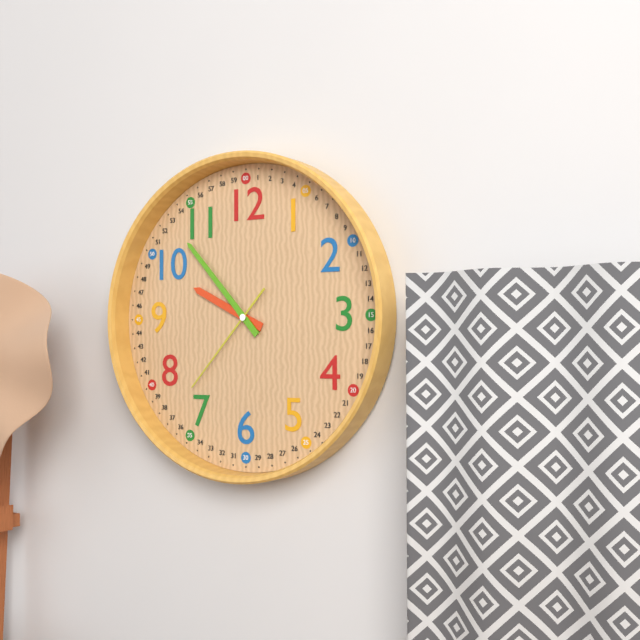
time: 9:53:37
